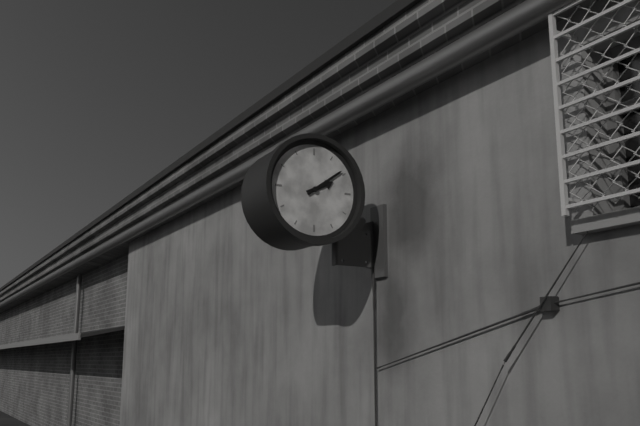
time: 2:09
